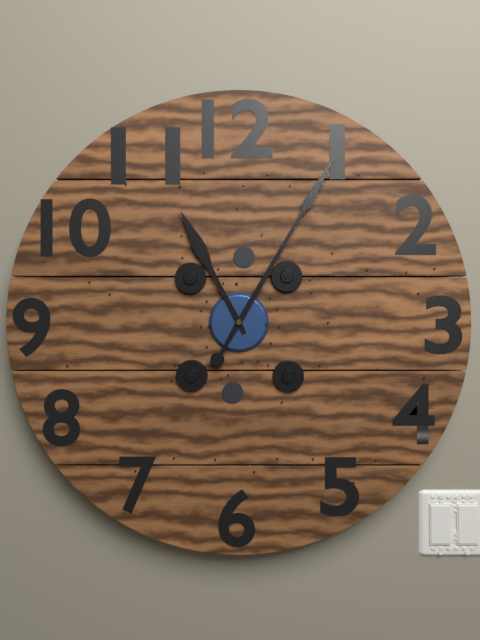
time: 11:05
